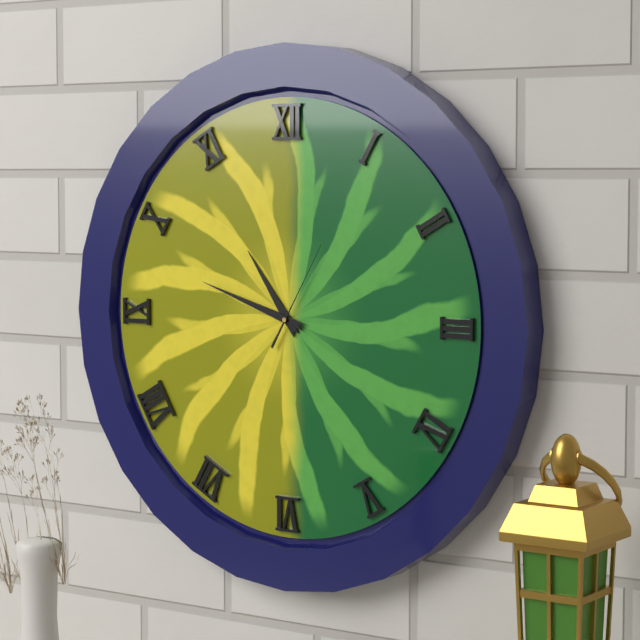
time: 10:48:05
